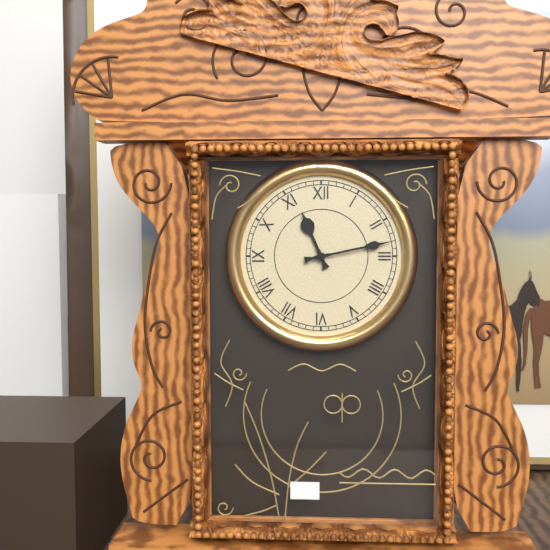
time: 11:13
